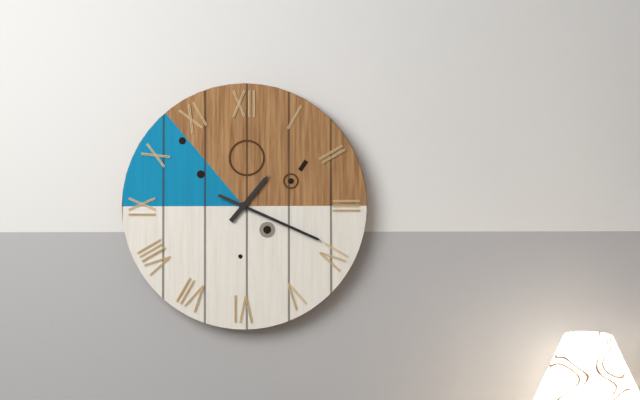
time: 1:19
